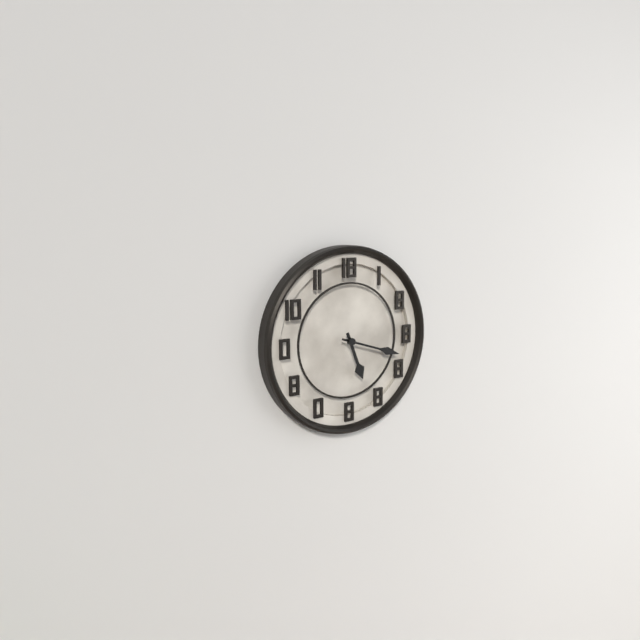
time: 5:18
